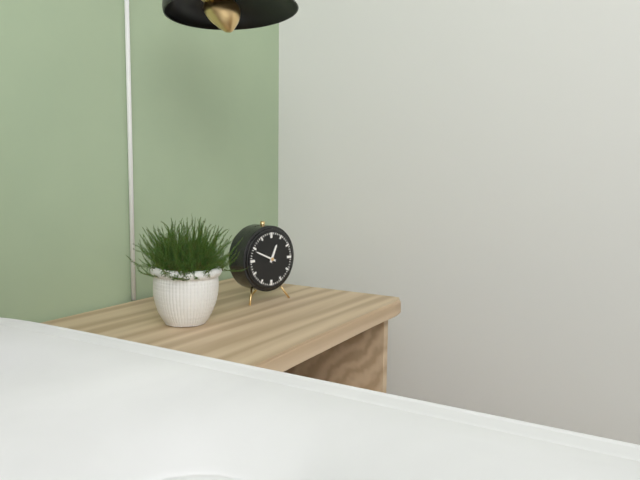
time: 12:49
